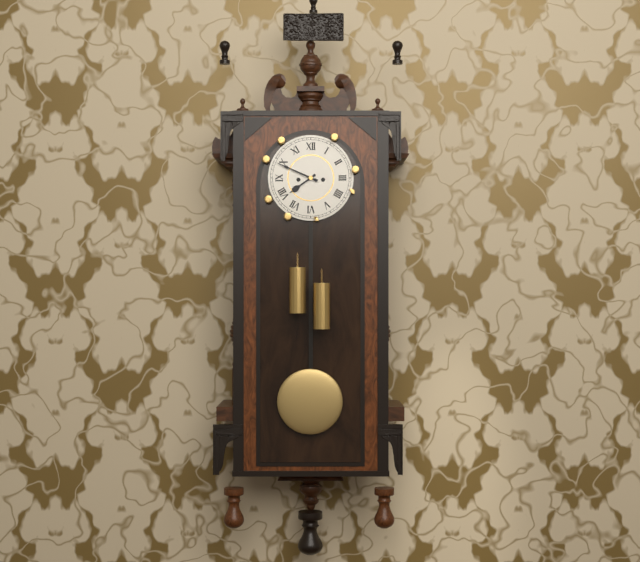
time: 7:49
